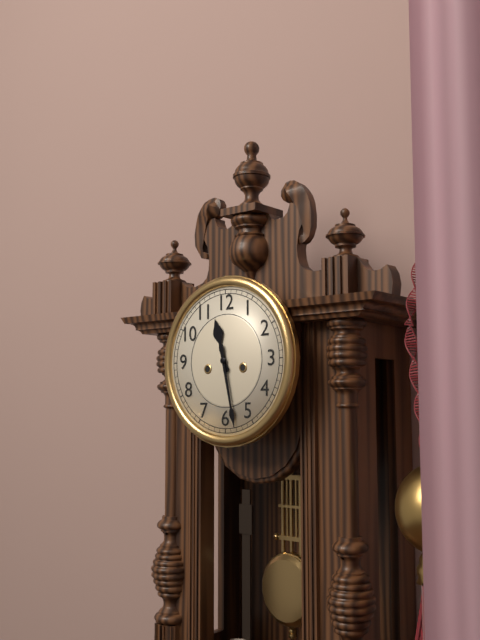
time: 11:28
